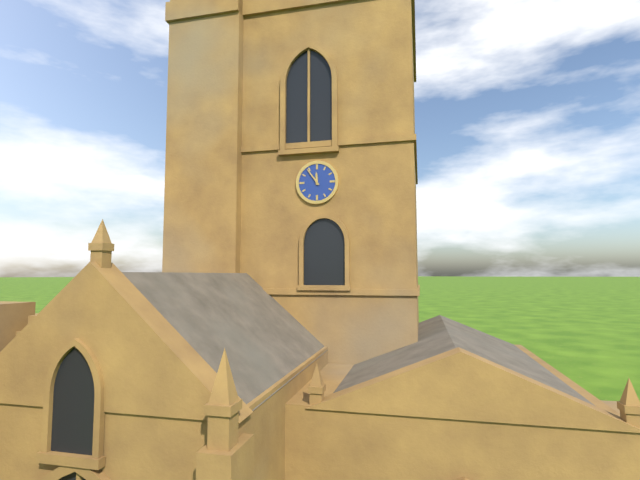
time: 11:54
